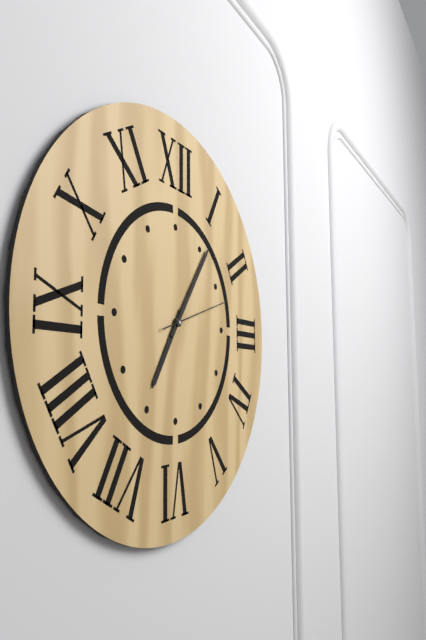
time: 7:06:12
